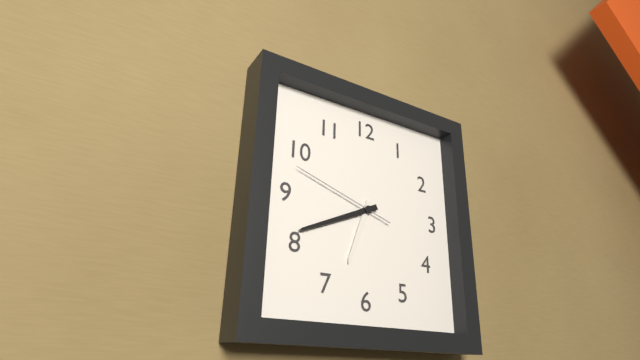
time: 6:41:48
